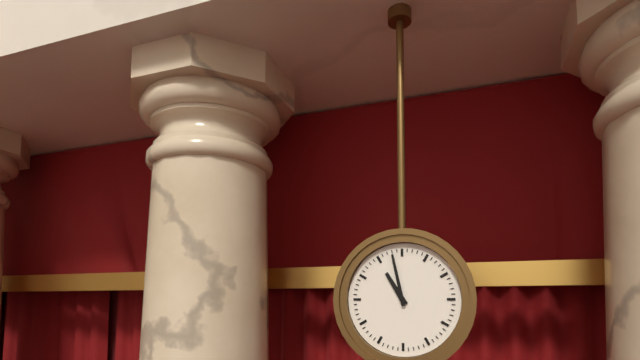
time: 10:58
